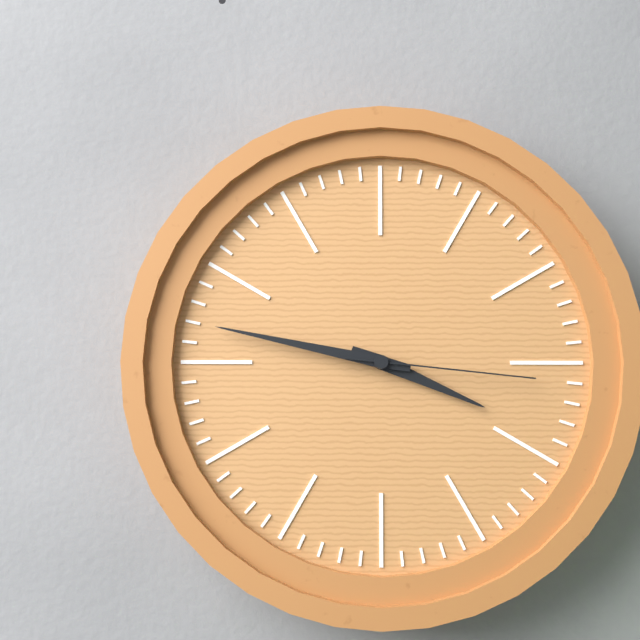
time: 3:47:16
